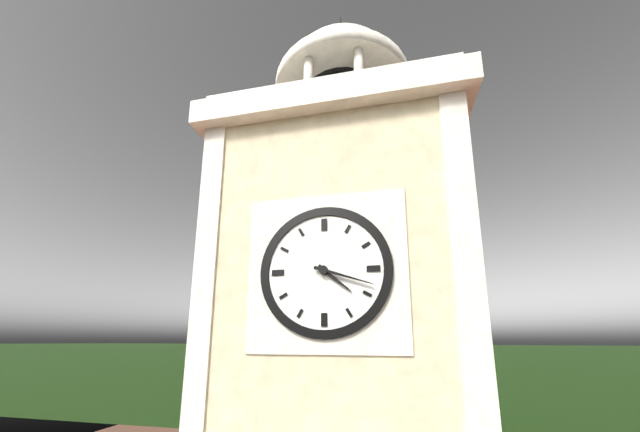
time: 4:18
